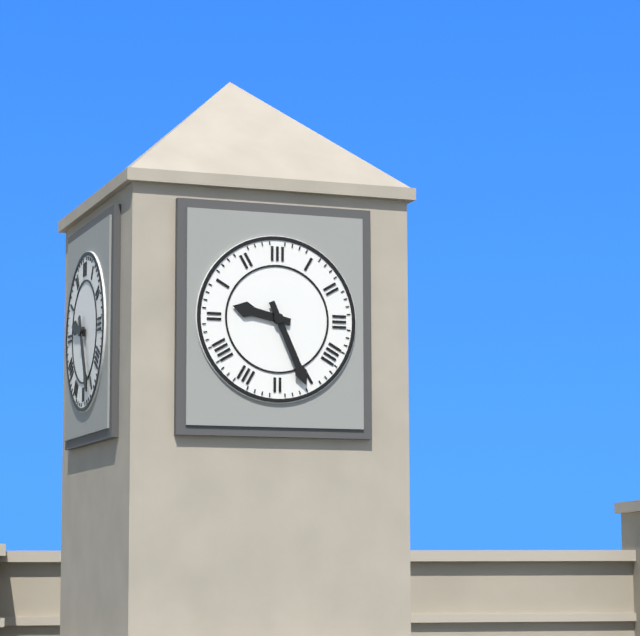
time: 9:26
